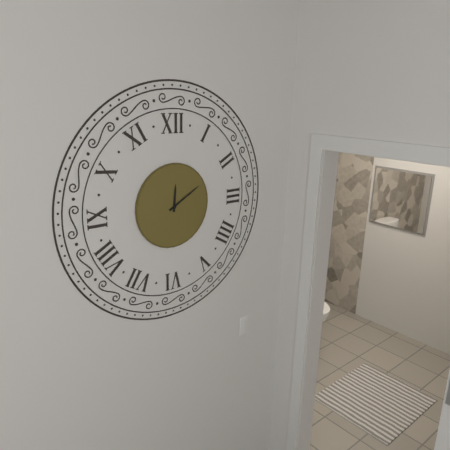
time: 12:10
